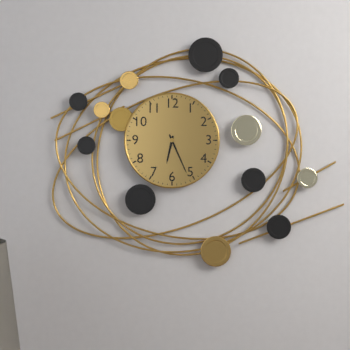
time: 6:26
